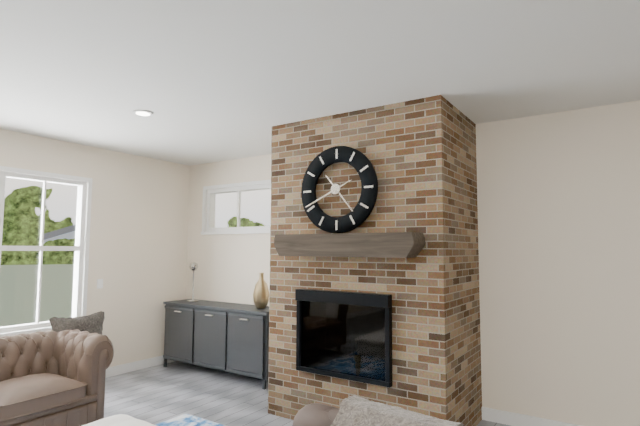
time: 4:41
